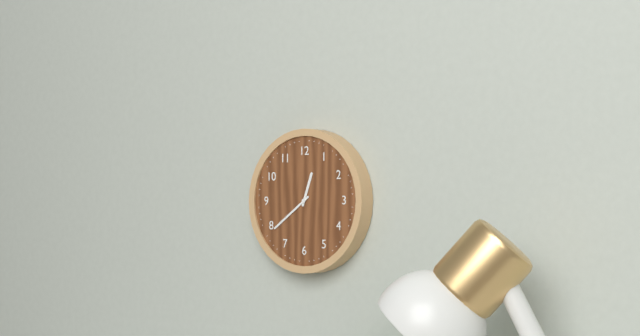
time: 12:39
